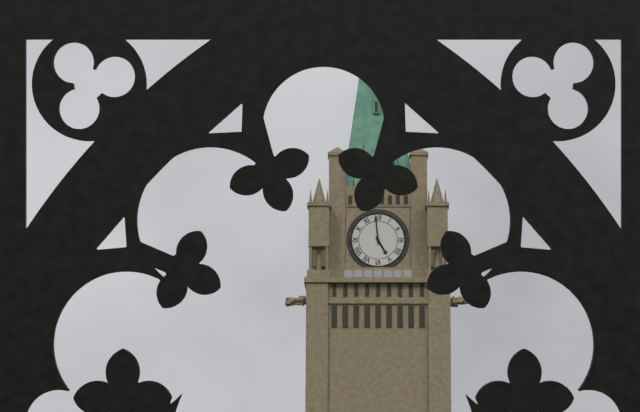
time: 4:59
